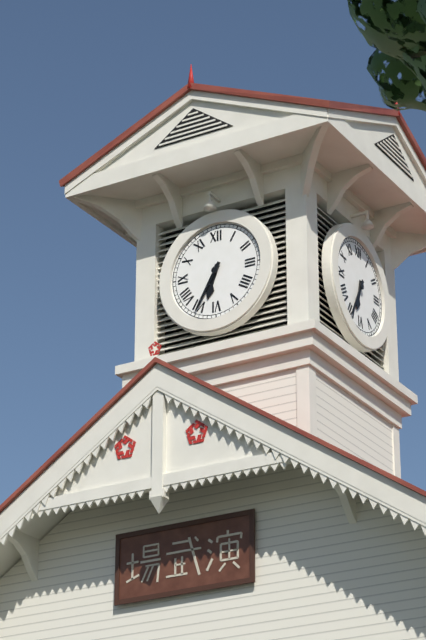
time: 6:35
